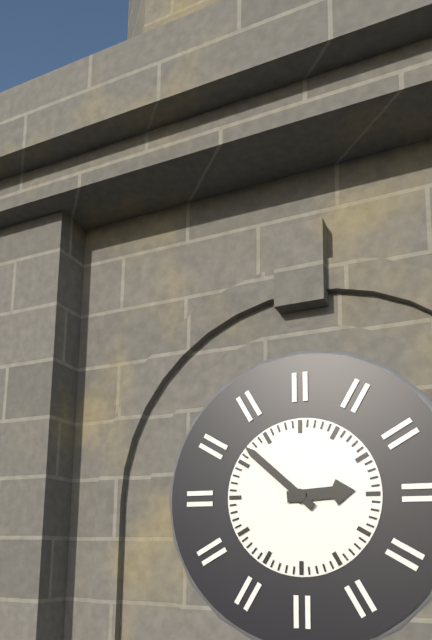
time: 2:52
